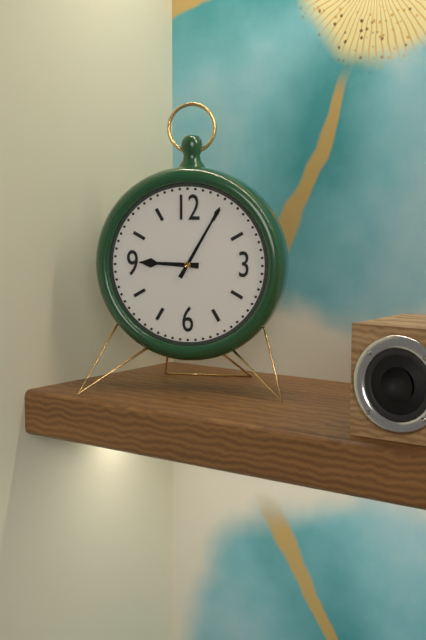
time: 9:05
